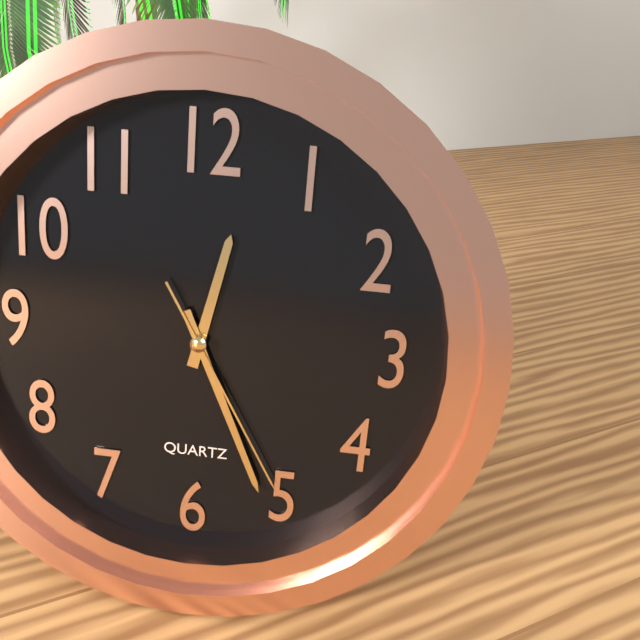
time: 12:26:25
